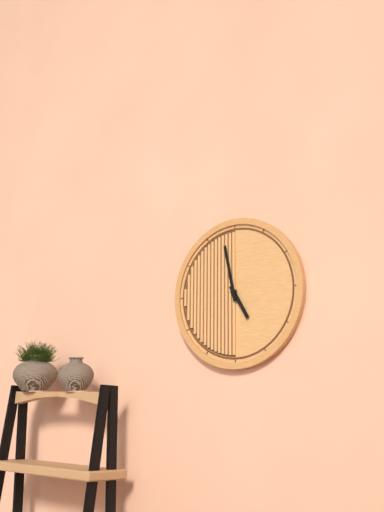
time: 4:58
